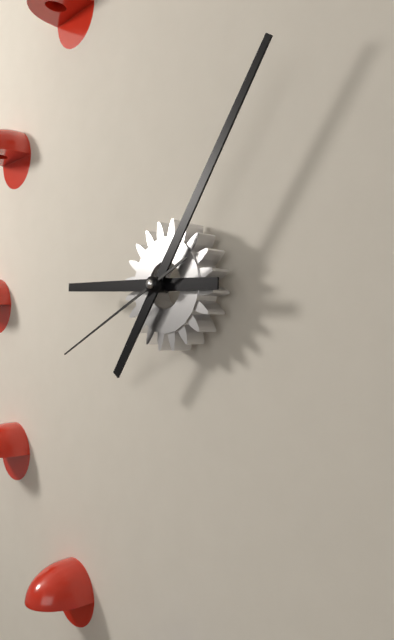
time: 9:06:41
